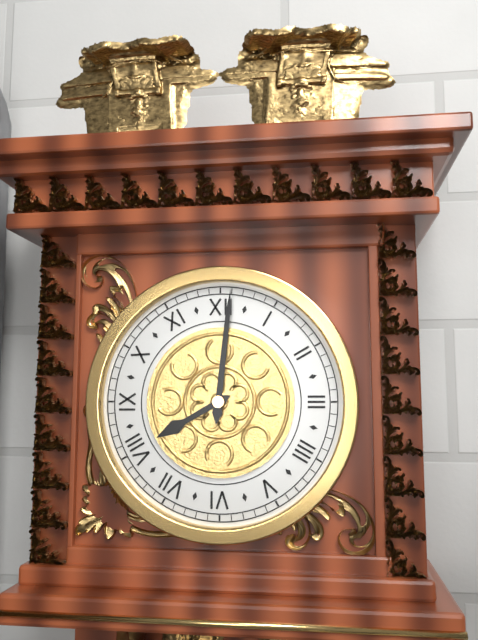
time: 8:01
